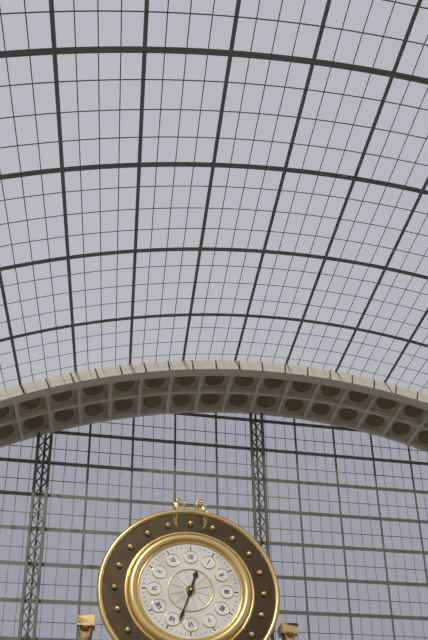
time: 12:33
